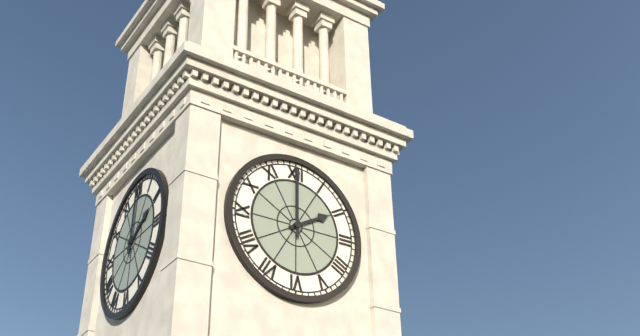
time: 2:00
